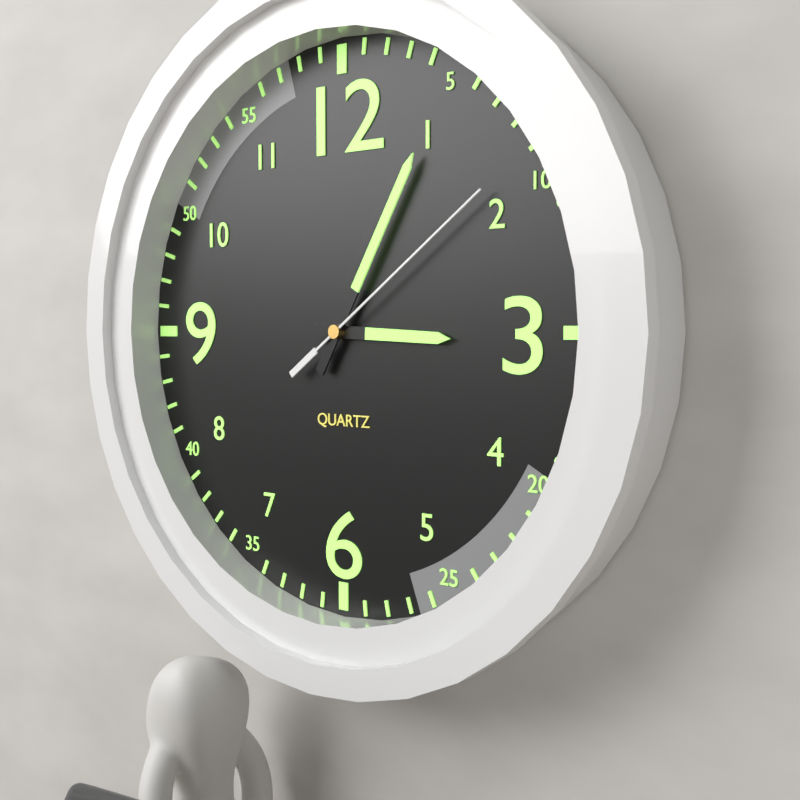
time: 3:05:09
